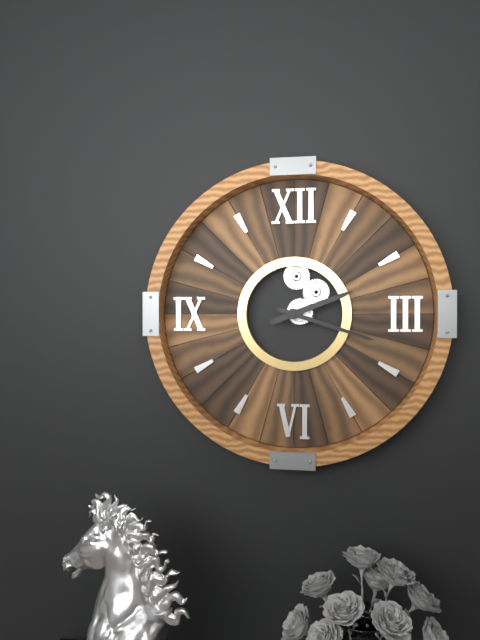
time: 2:18
